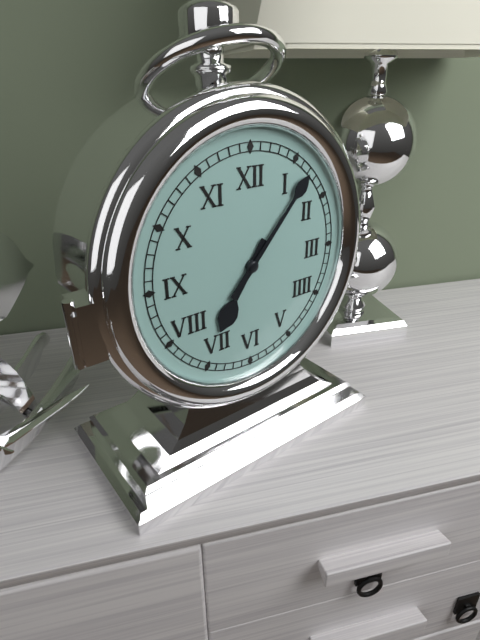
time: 7:07
